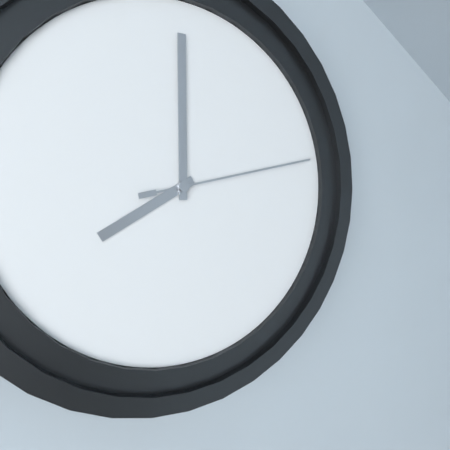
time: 8:00:13
